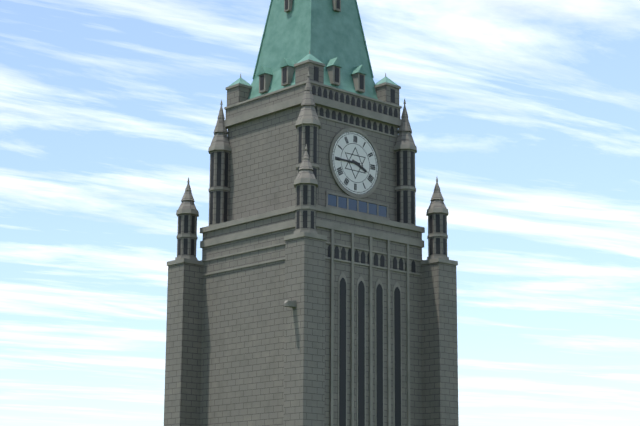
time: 3:45
